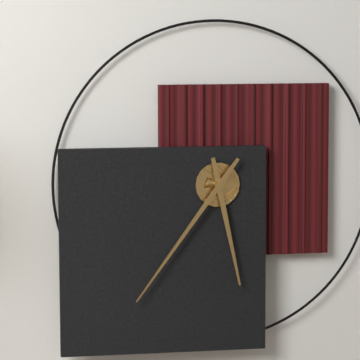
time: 5:36
